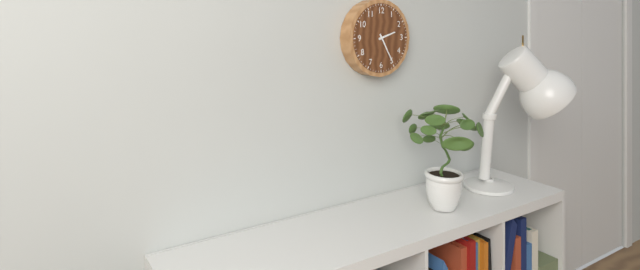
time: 2:25
